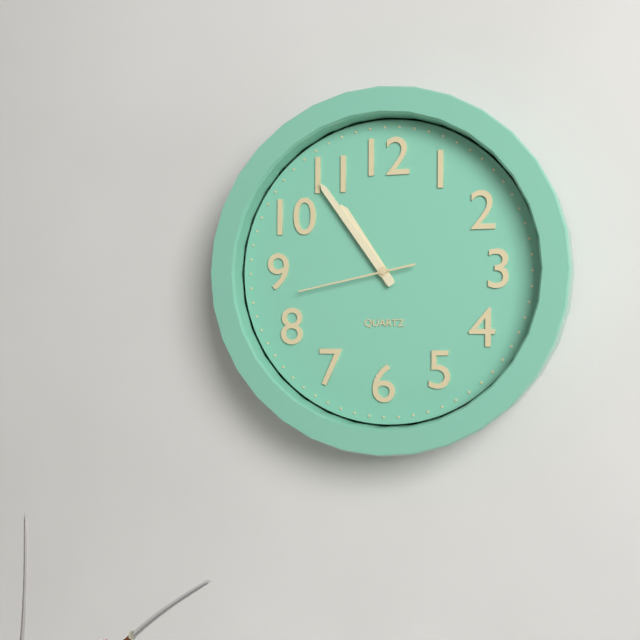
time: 10:54:43
